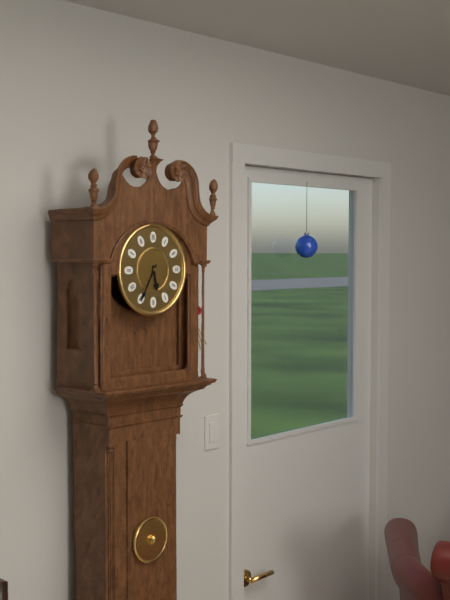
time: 5:35
